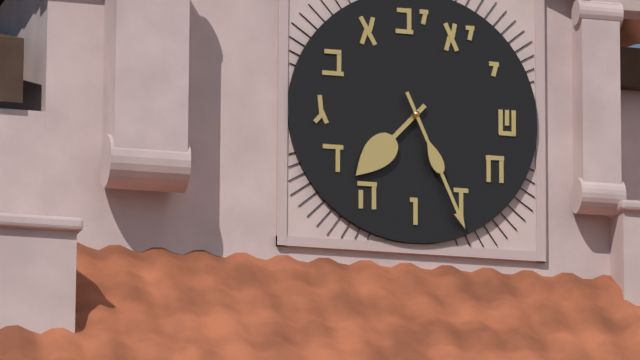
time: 7:26
